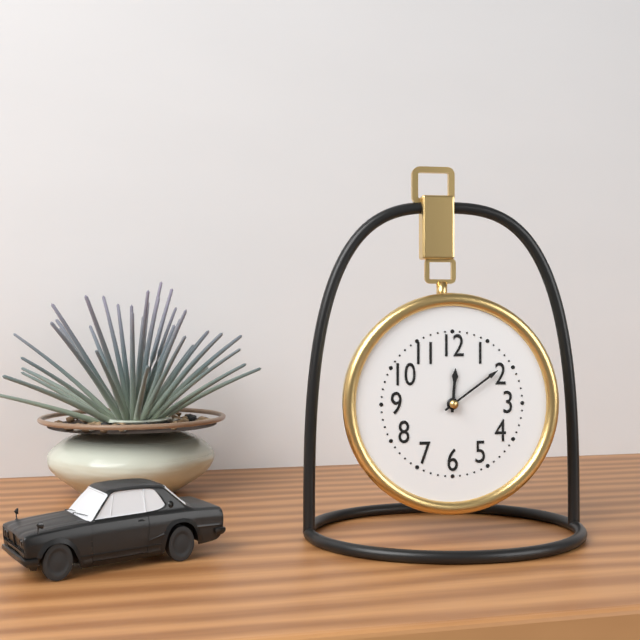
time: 12:09
